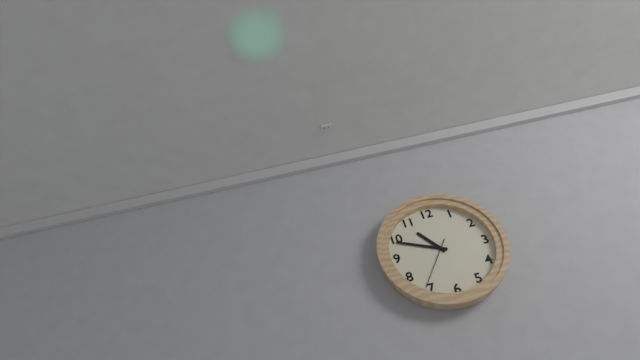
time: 10:49:36
